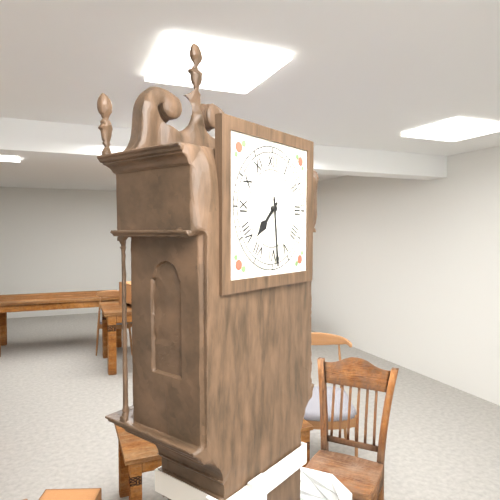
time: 7:29
